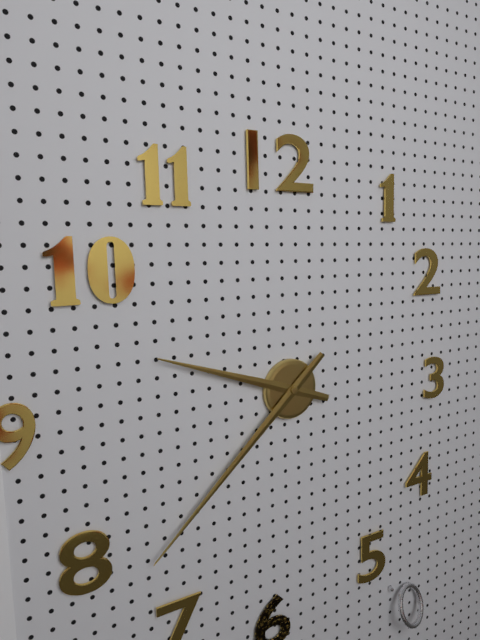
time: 9:38
